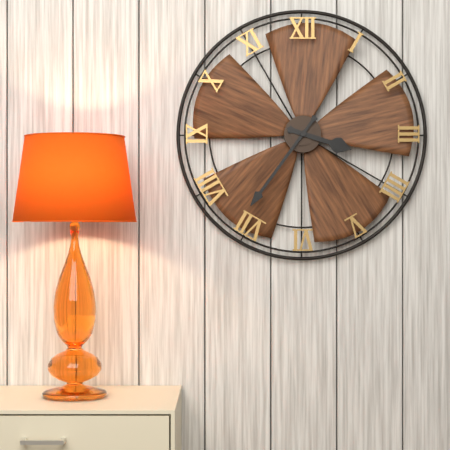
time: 3:36
